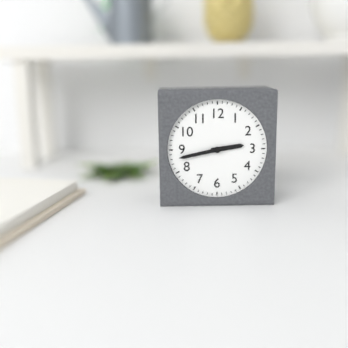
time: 2:43
